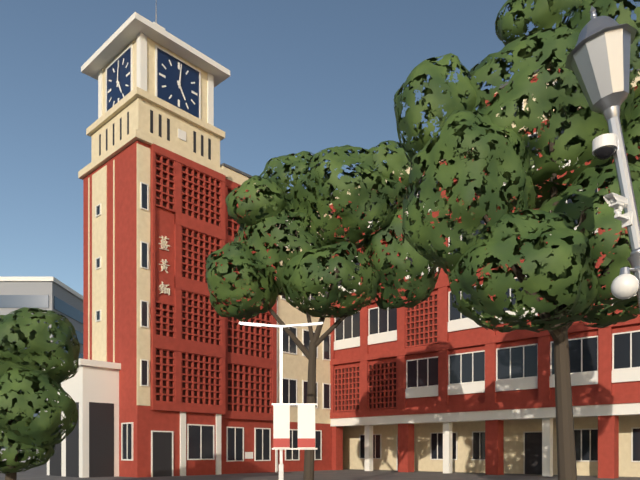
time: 5:01
